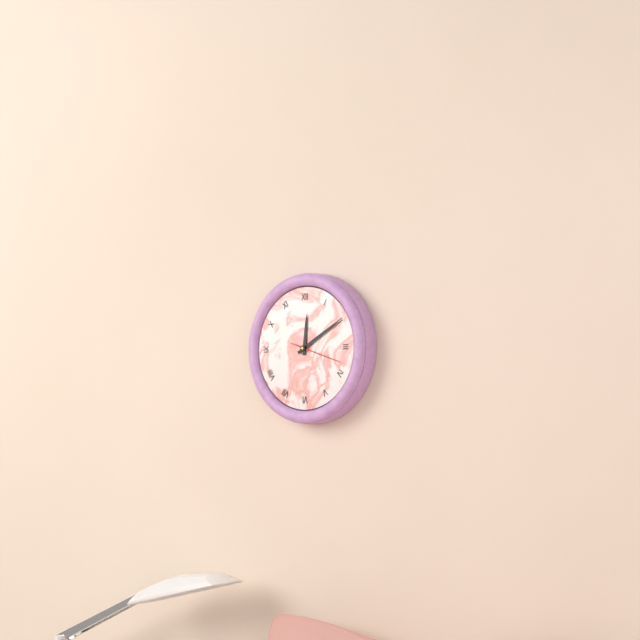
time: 12:10
